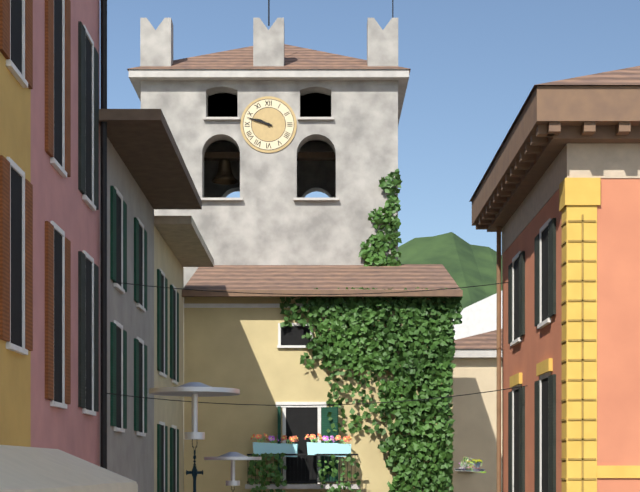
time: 9:48
